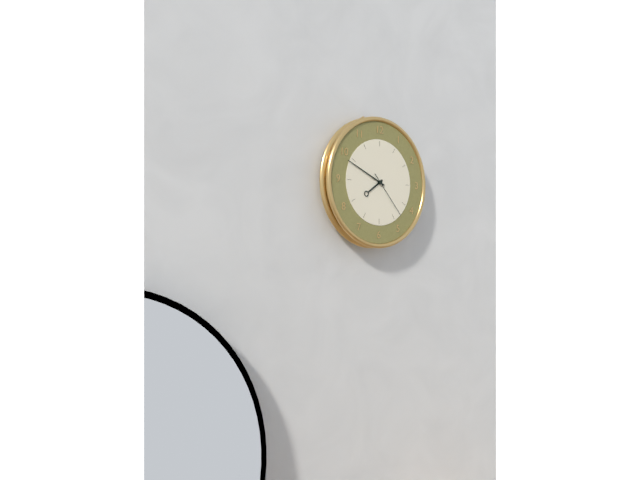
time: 7:49
